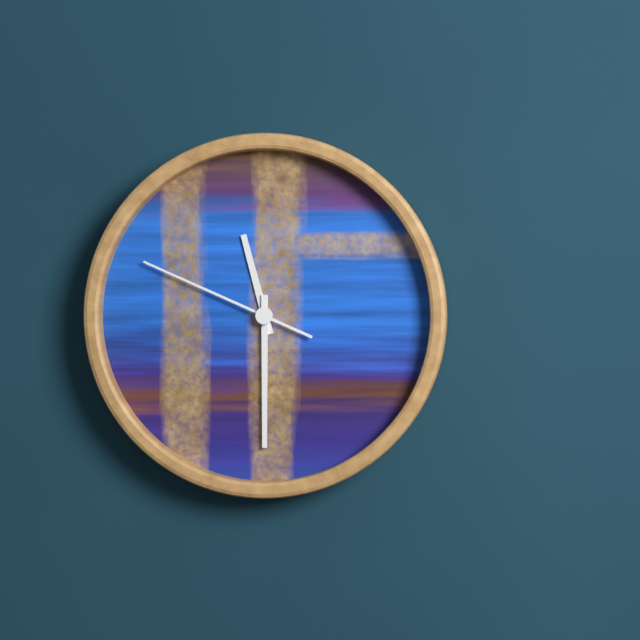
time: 11:30:49
